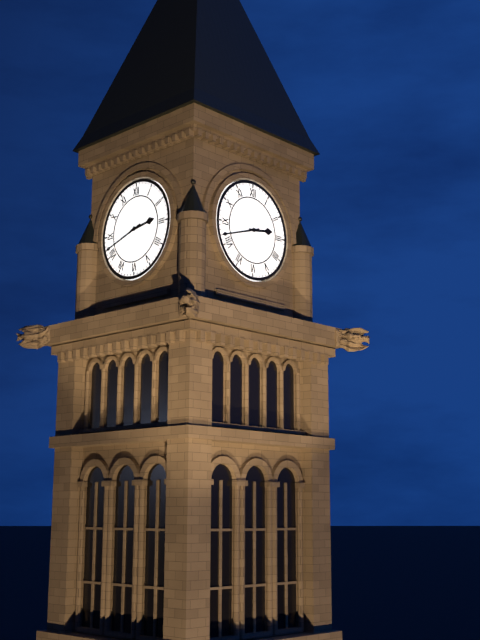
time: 2:42
